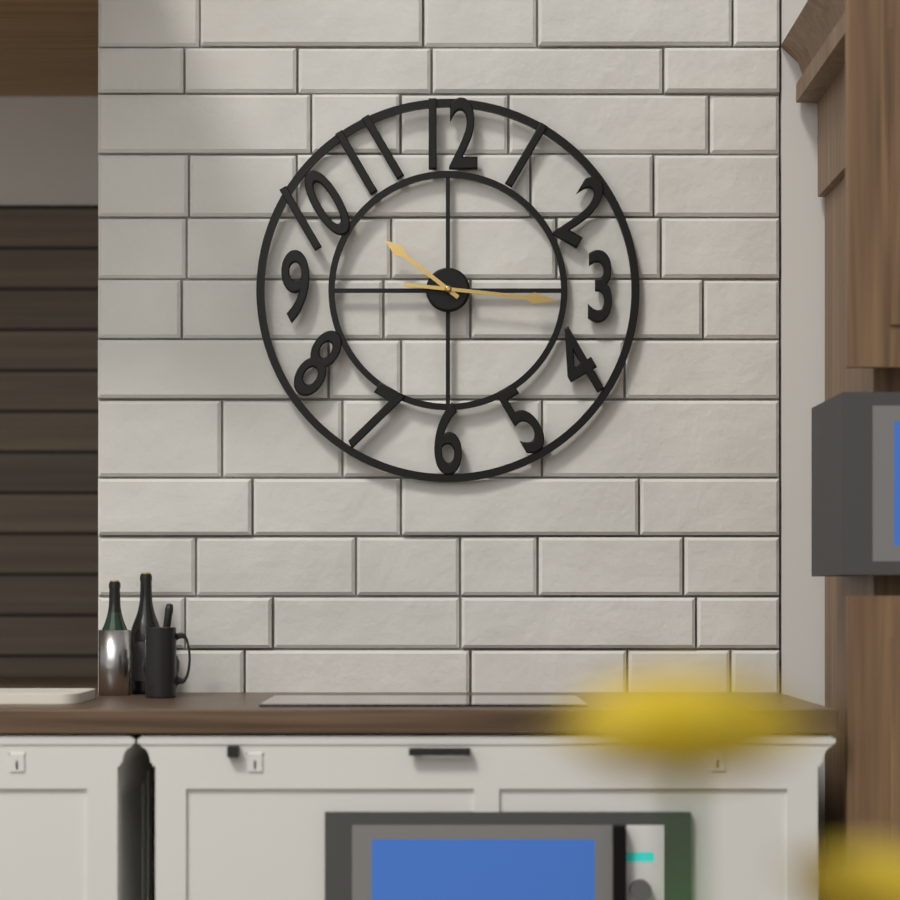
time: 10:16
